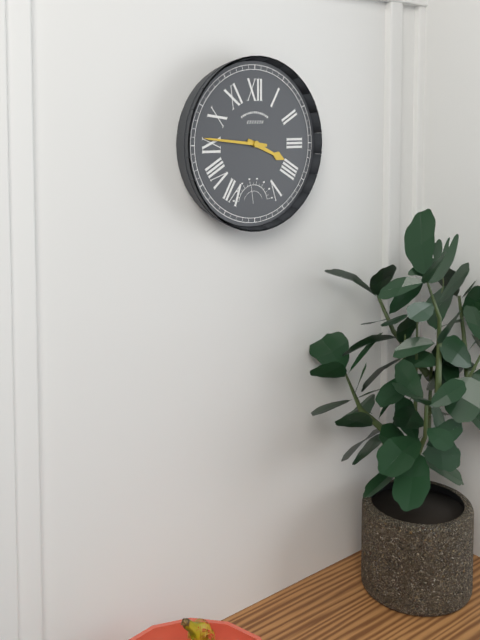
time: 3:46
